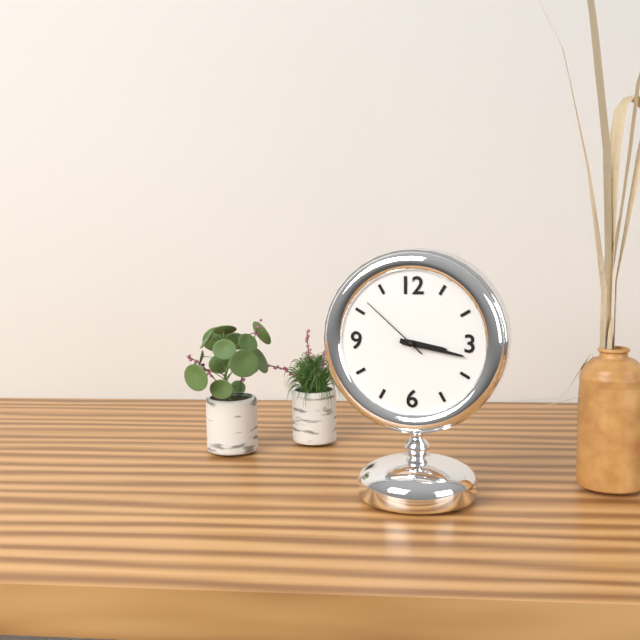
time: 3:17:52
